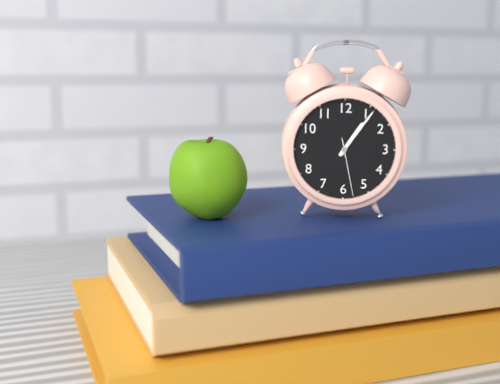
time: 1:06:28
